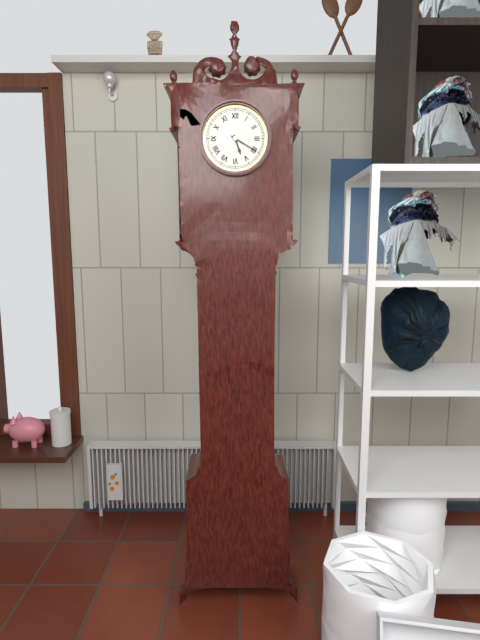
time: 5:20
